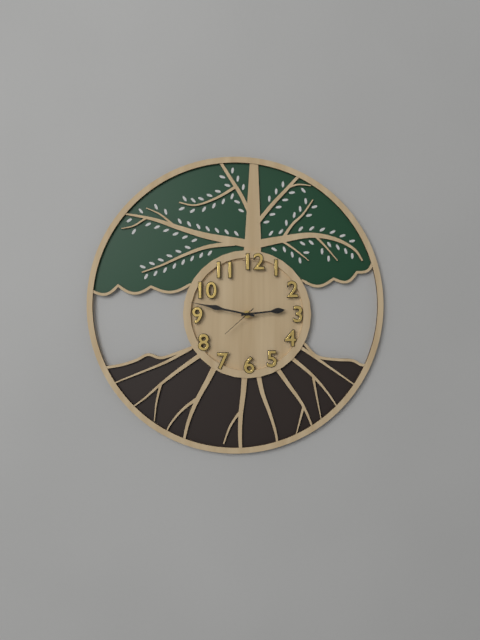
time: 2:47
